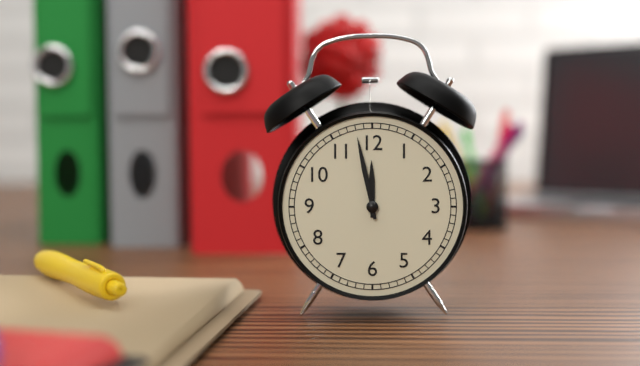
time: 11:58
